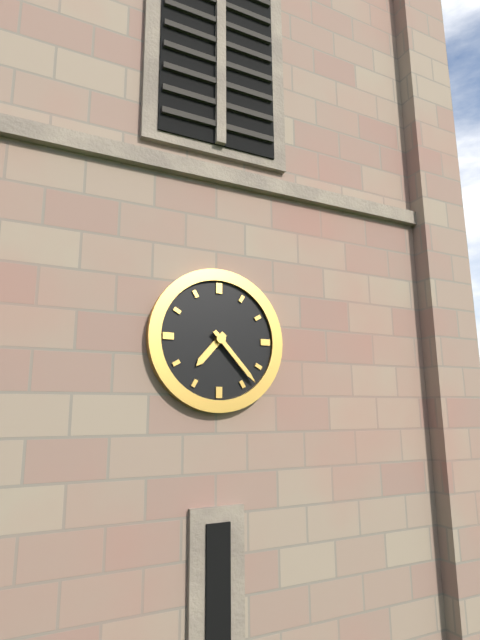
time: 7:23
